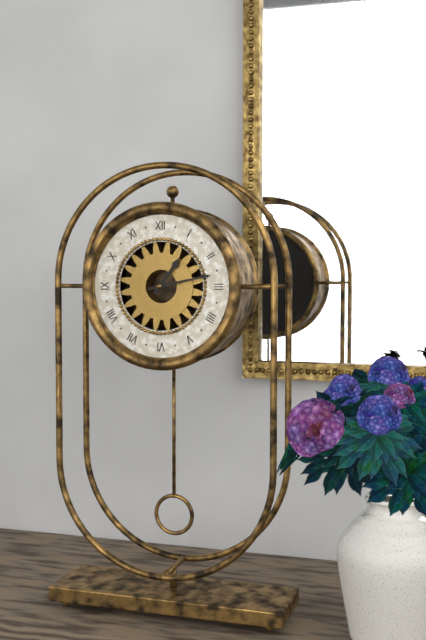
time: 1:13
